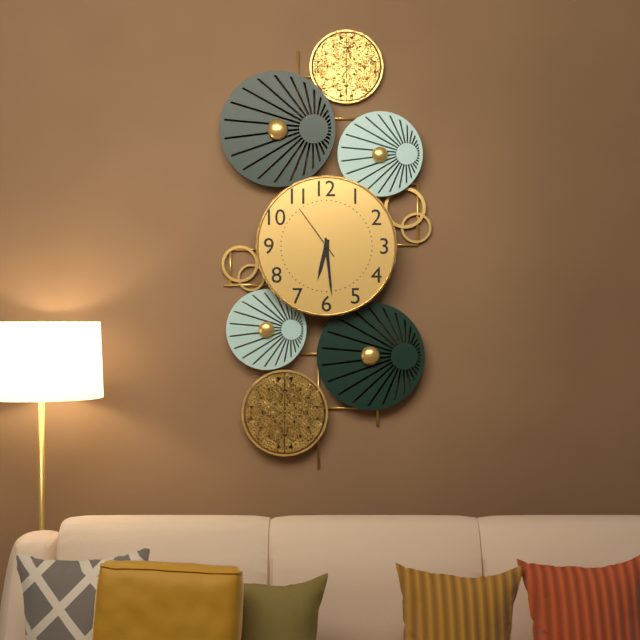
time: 6:29:54
